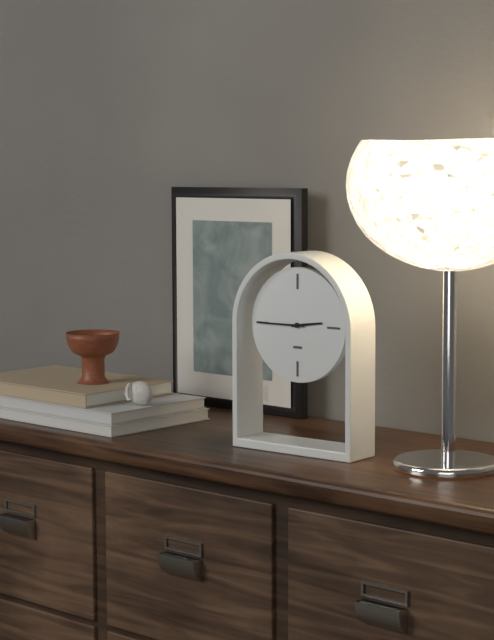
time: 2:45
